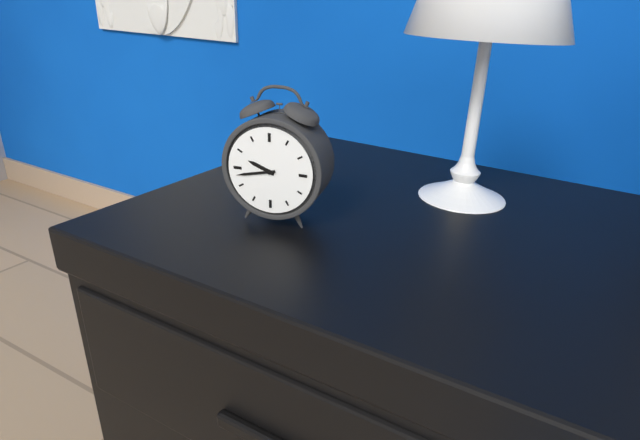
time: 9:43
